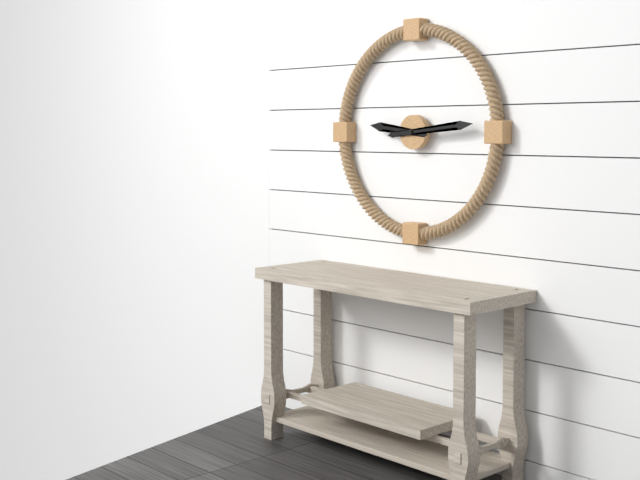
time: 9:14
